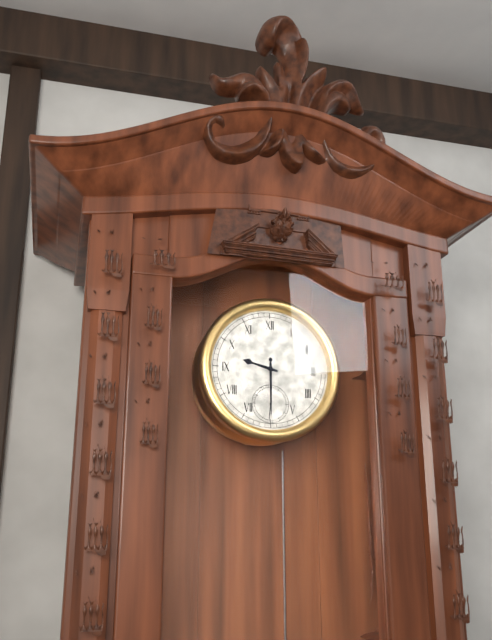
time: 9:30
